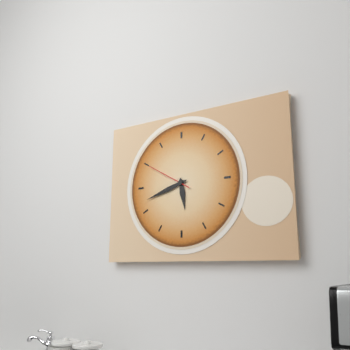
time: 5:42
